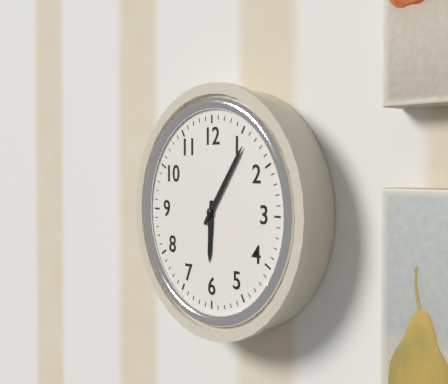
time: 6:06
